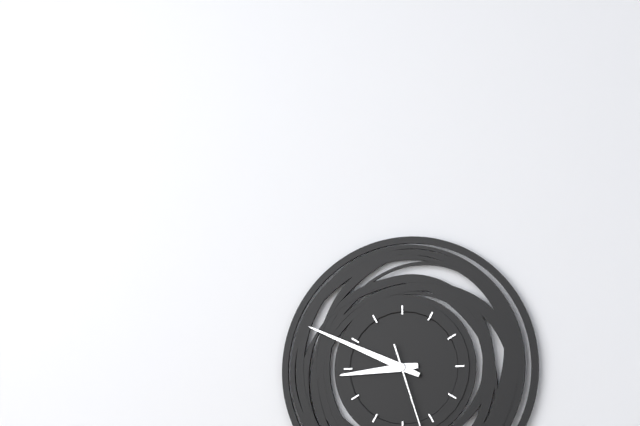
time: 8:49
